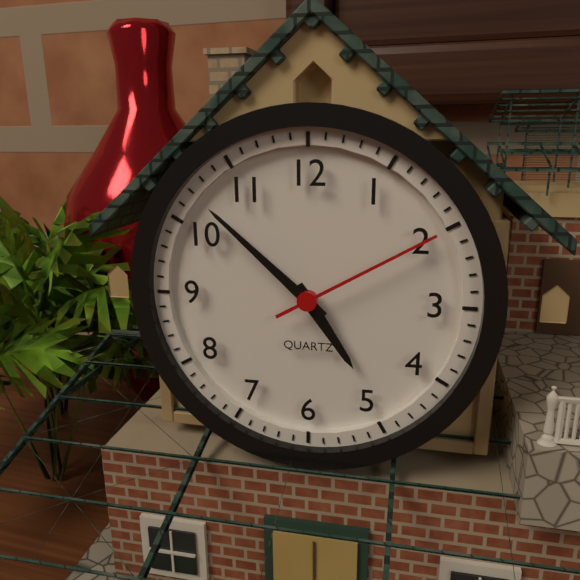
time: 4:52:10
